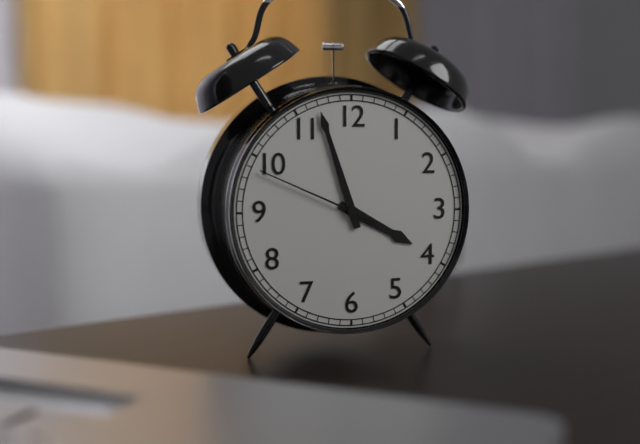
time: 3:57:49
